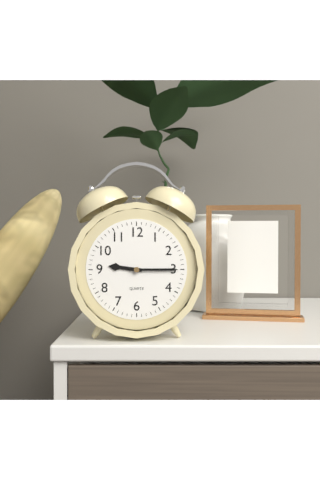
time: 9:15
